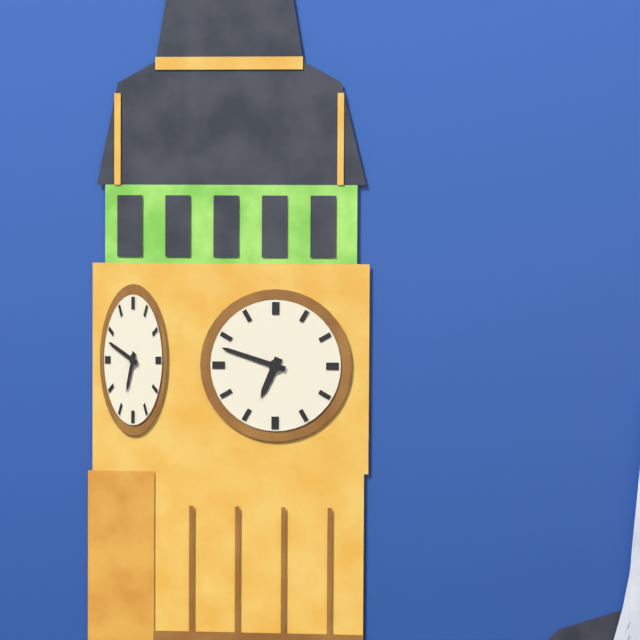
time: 6:48
